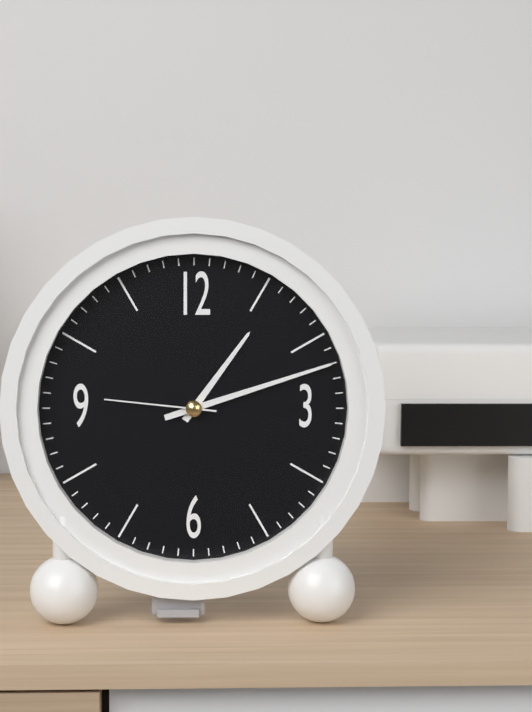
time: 1:12:46
